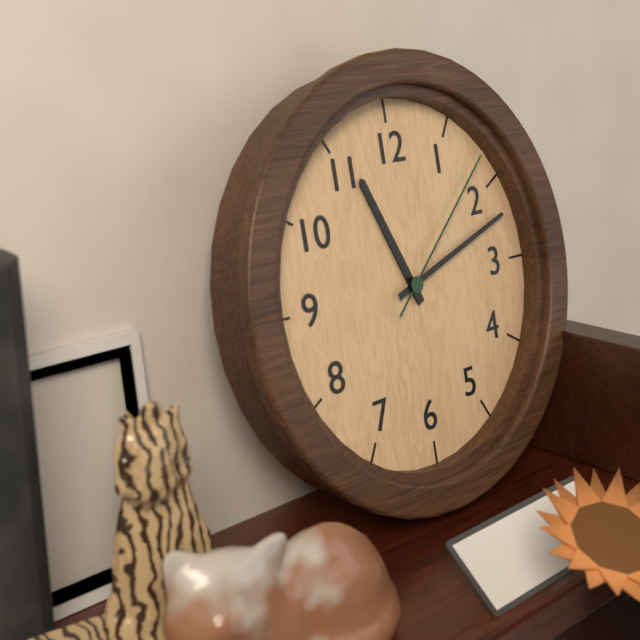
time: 11:12:08
